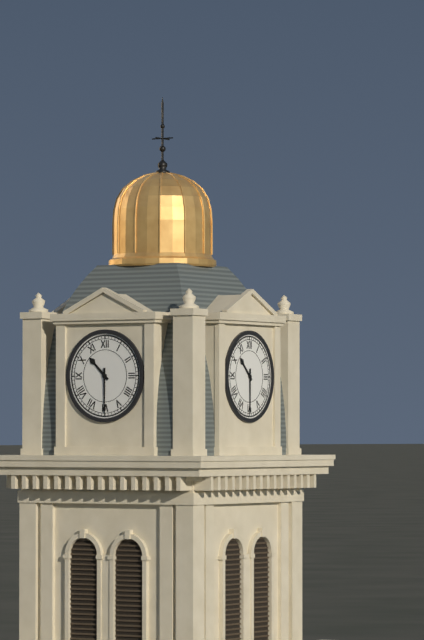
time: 10:30
